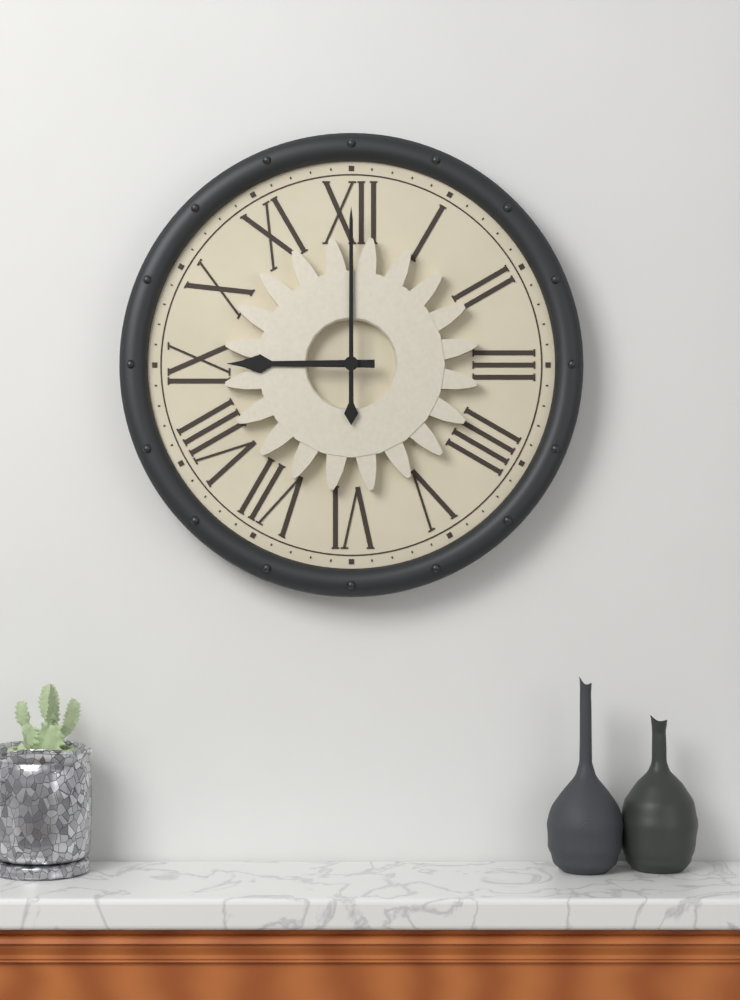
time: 9:00
